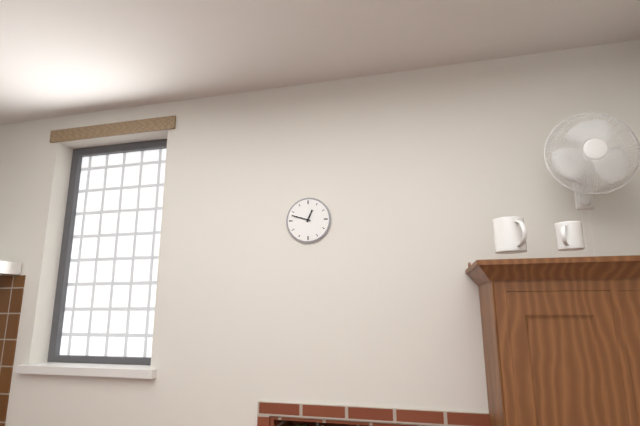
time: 12:48
